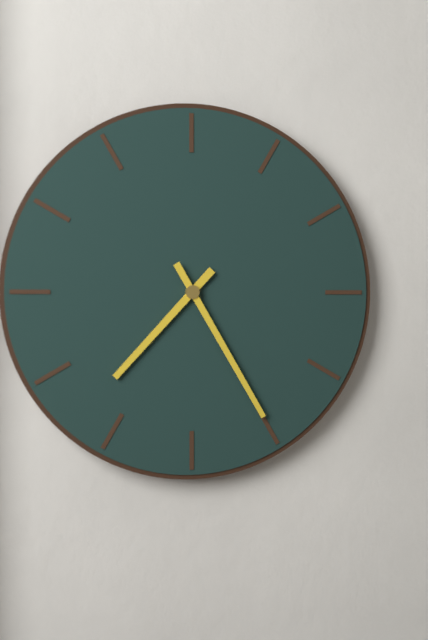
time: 7:25
